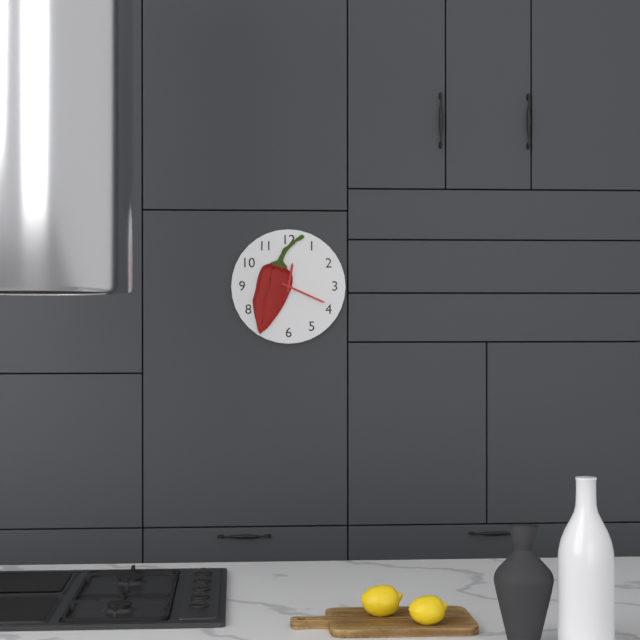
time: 12:19
